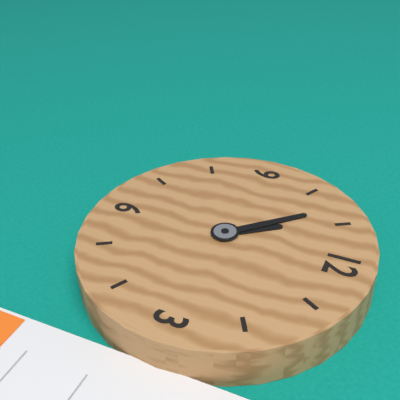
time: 10:53
